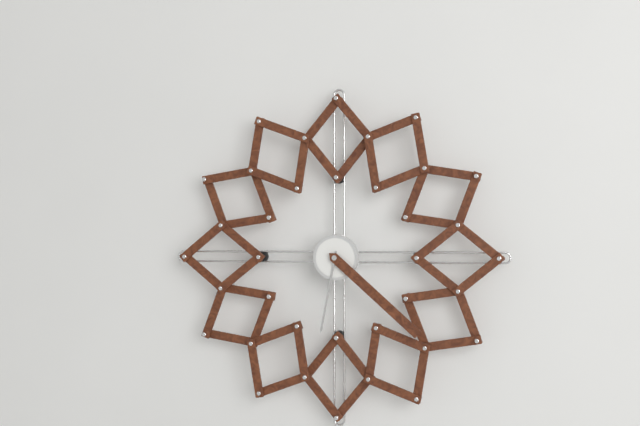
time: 6:22
